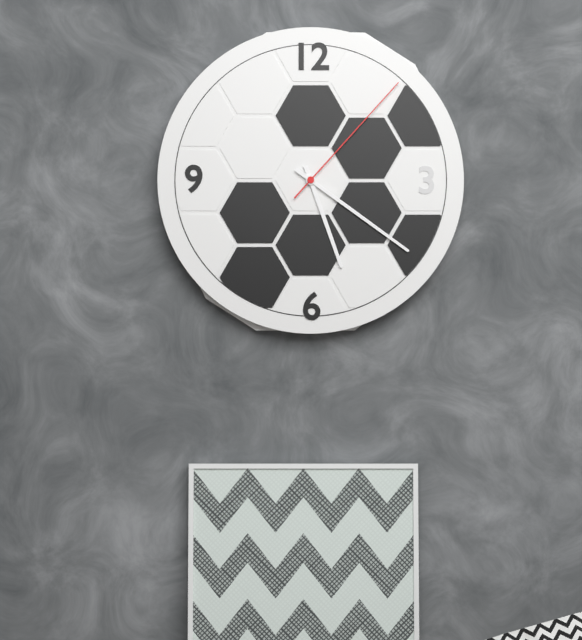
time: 5:21:07
